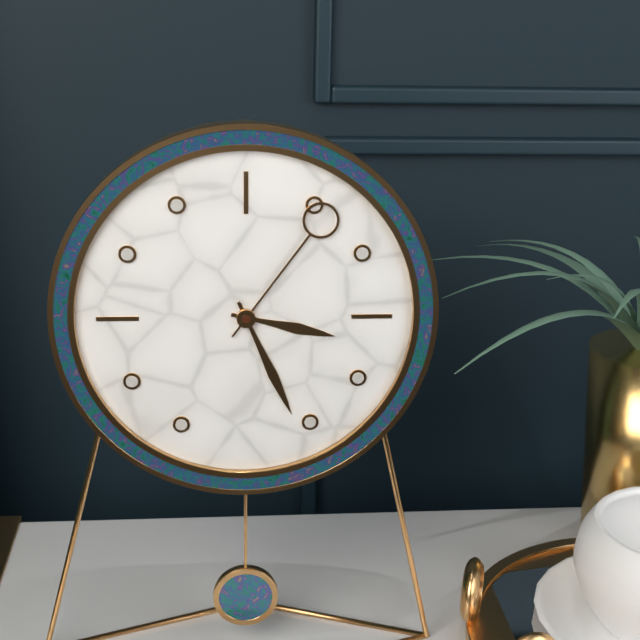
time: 3:26:06
